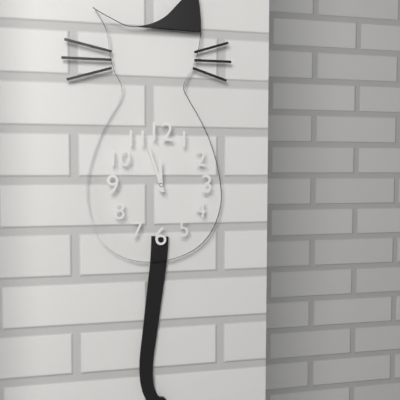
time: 11:57
